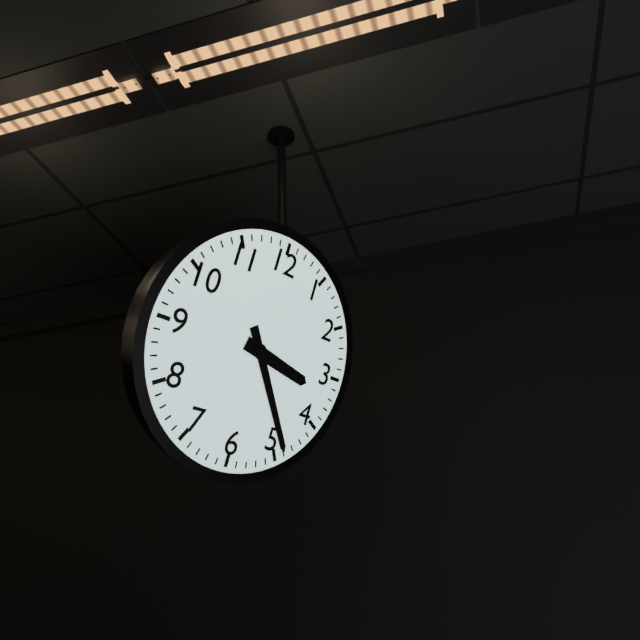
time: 3:24
